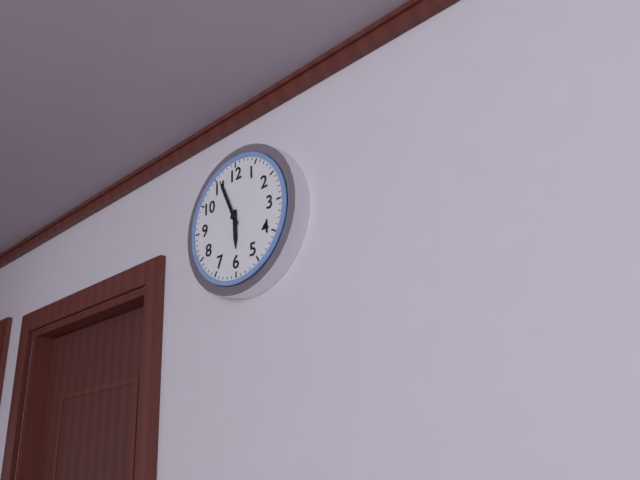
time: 5:56
